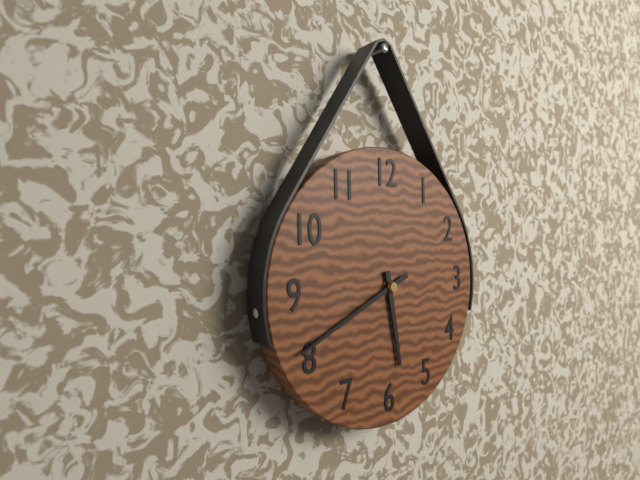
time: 5:41
